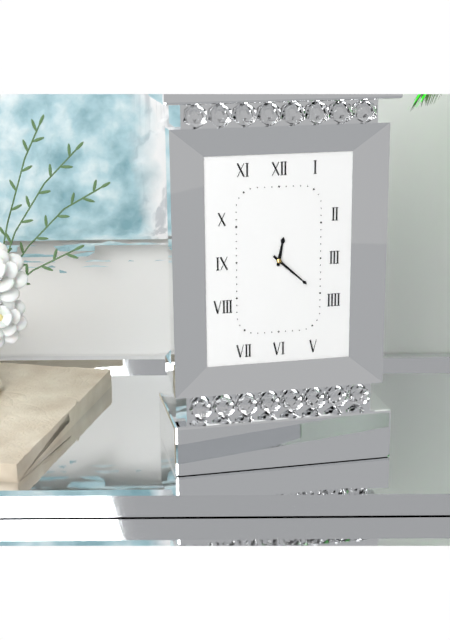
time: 12:22
